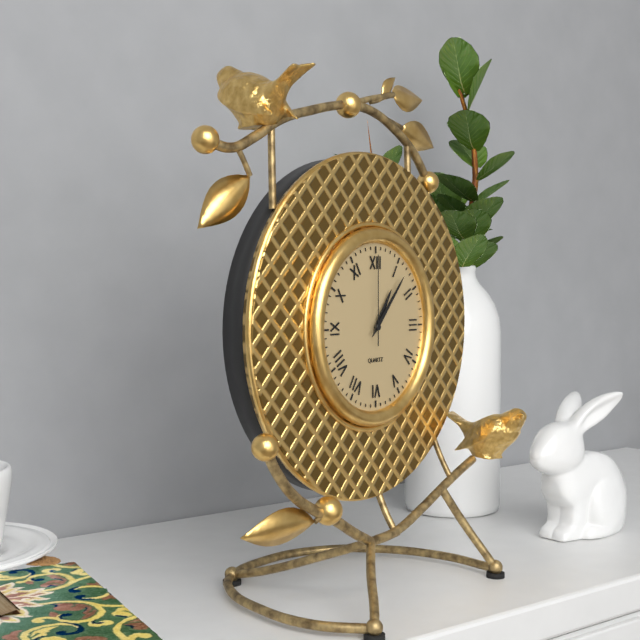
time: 1:07:00
